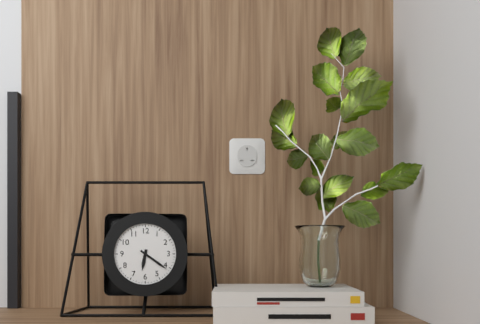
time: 6:21
